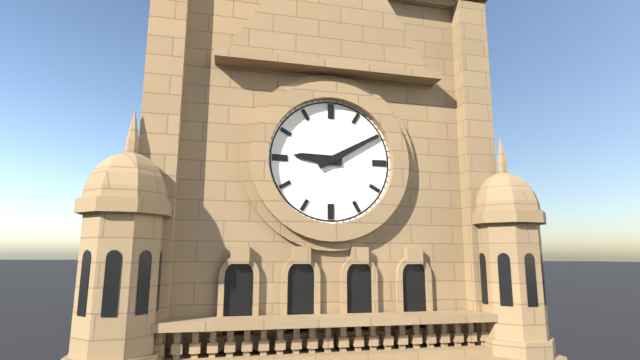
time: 9:10
